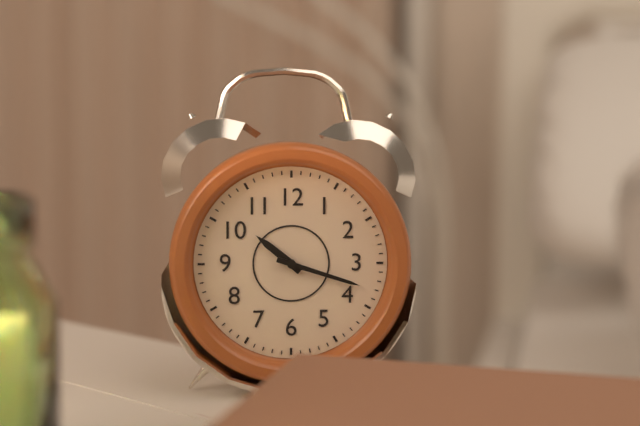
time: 10:18
